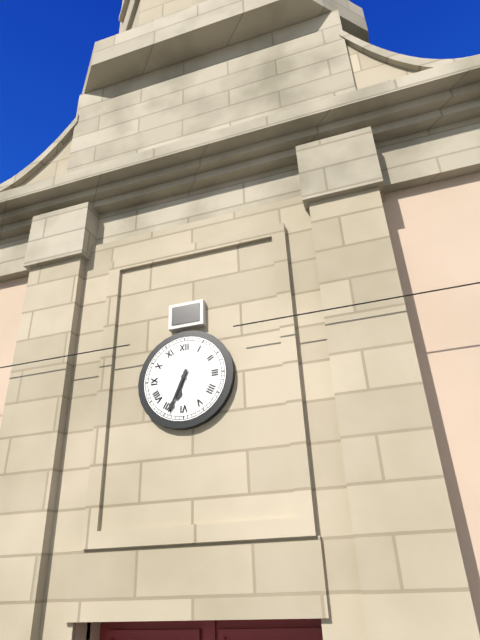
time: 6:34
